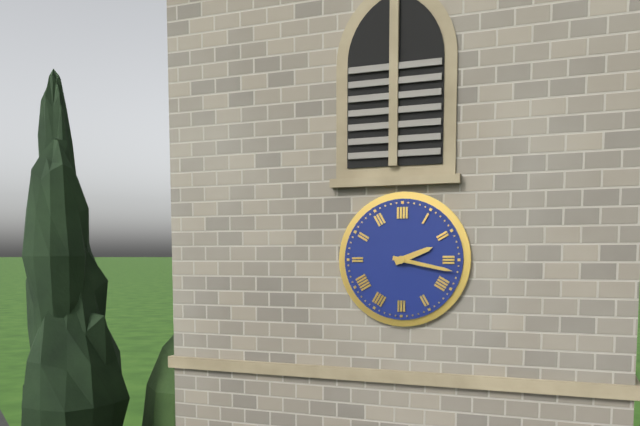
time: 2:17
